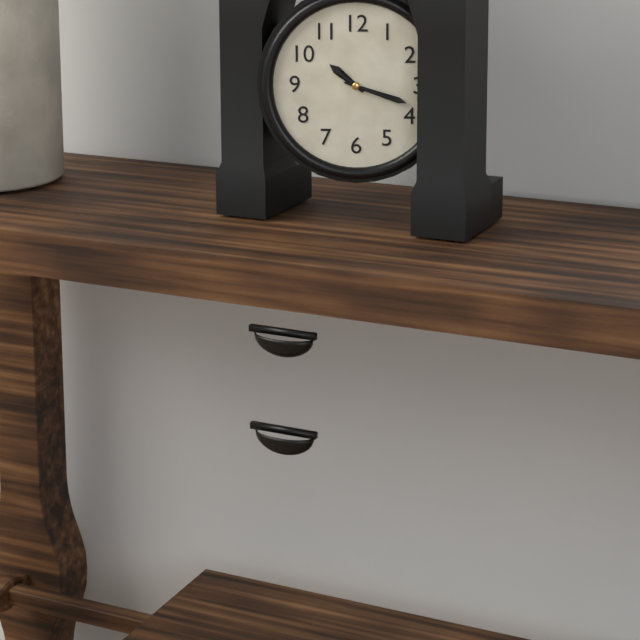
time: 10:18
